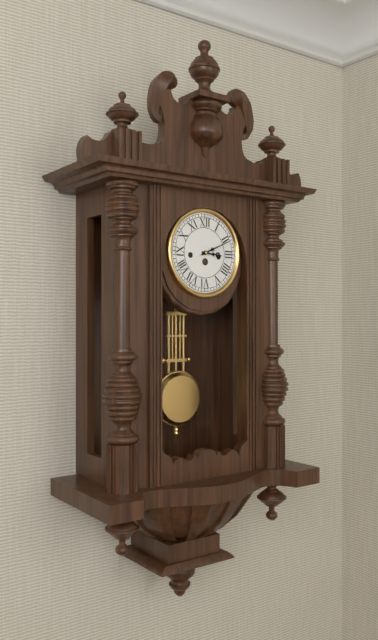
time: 3:11
